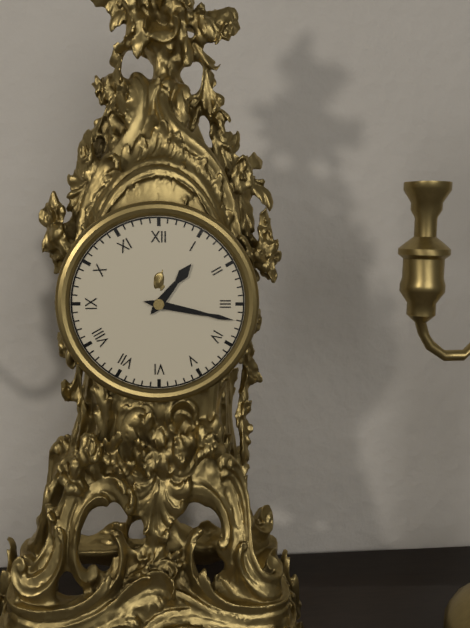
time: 1:17
